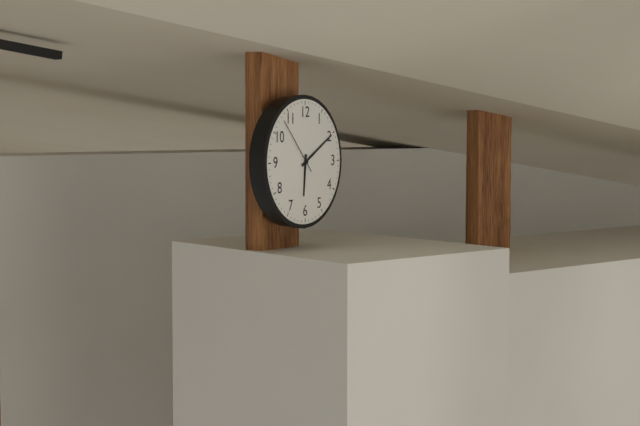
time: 6:10:53
